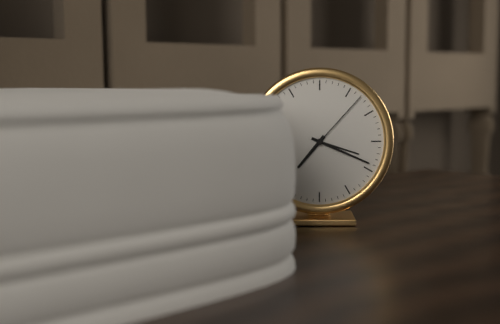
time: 7:19:07
